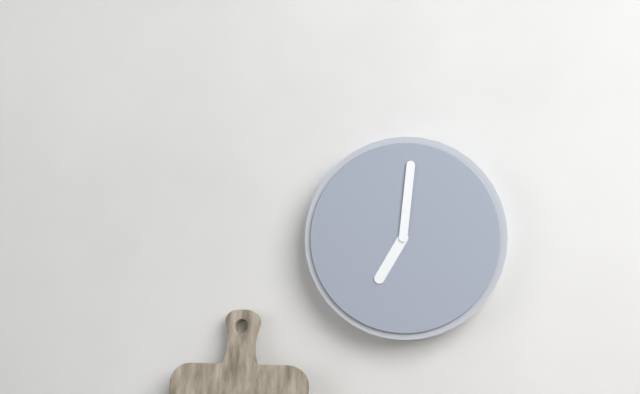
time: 7:01
